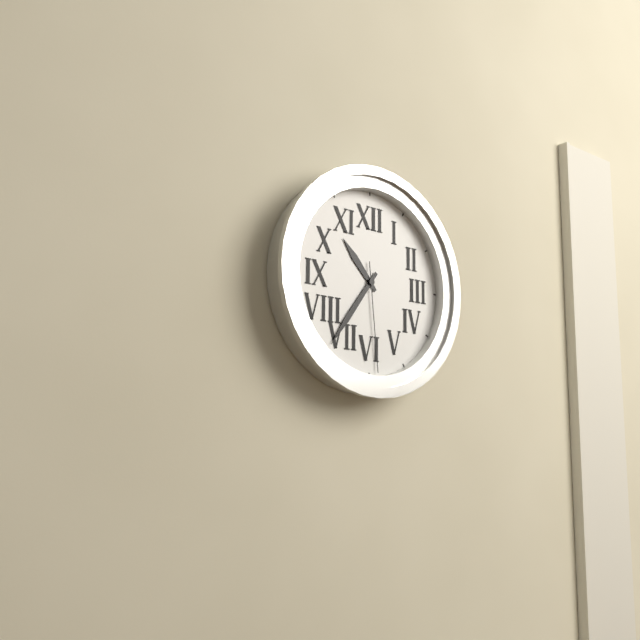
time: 10:36:29
